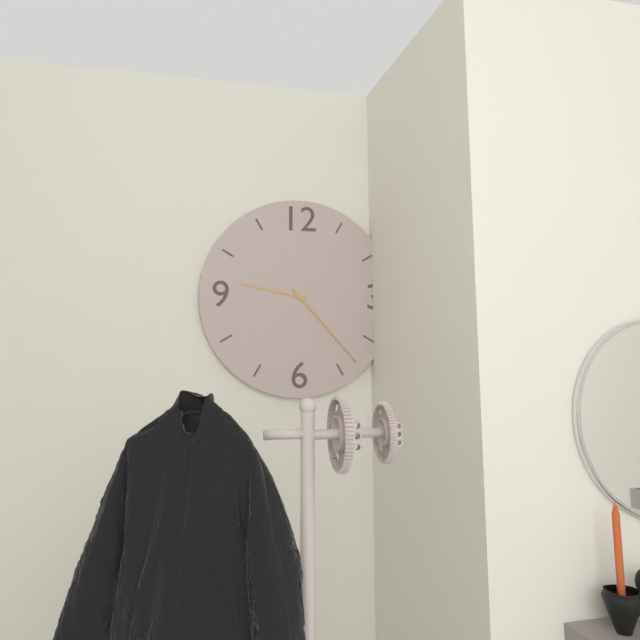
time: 9:23
